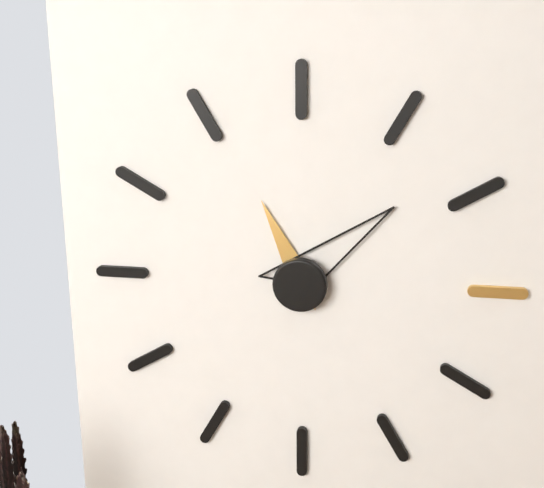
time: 11:08
